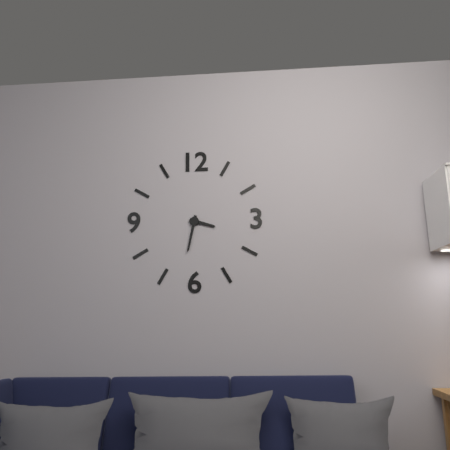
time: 3:32
